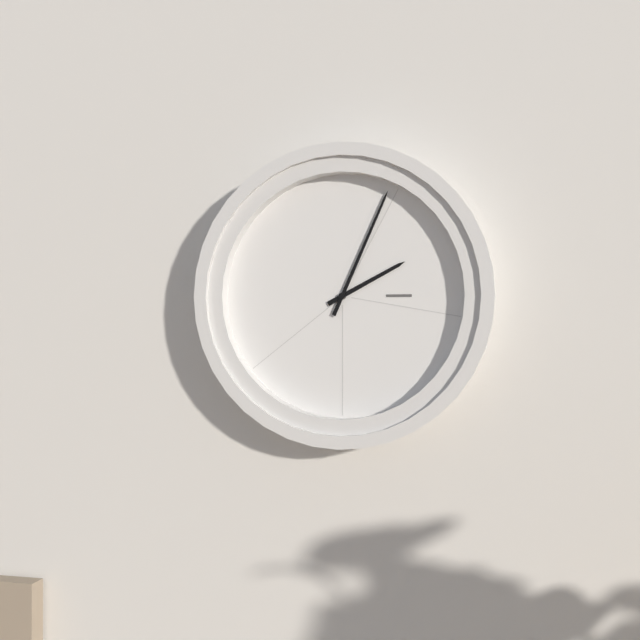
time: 2:04
